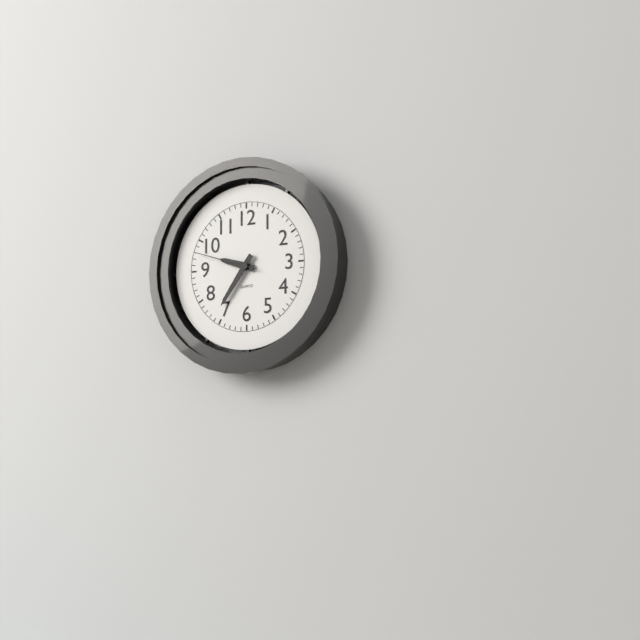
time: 9:36:48
